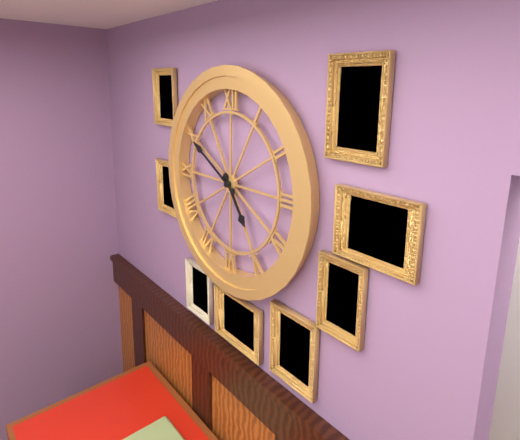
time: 4:50
